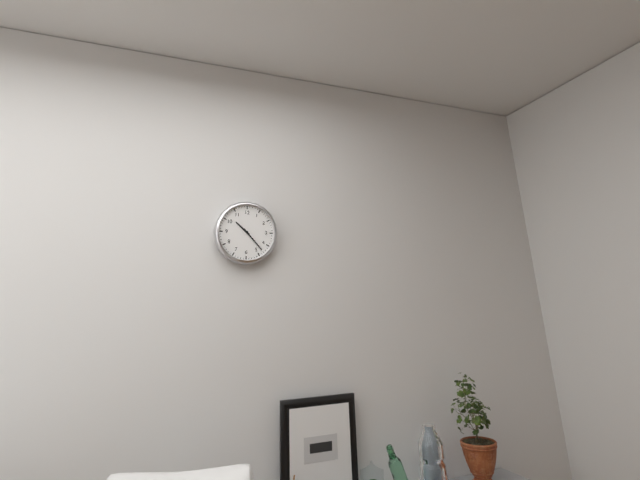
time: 10:23
